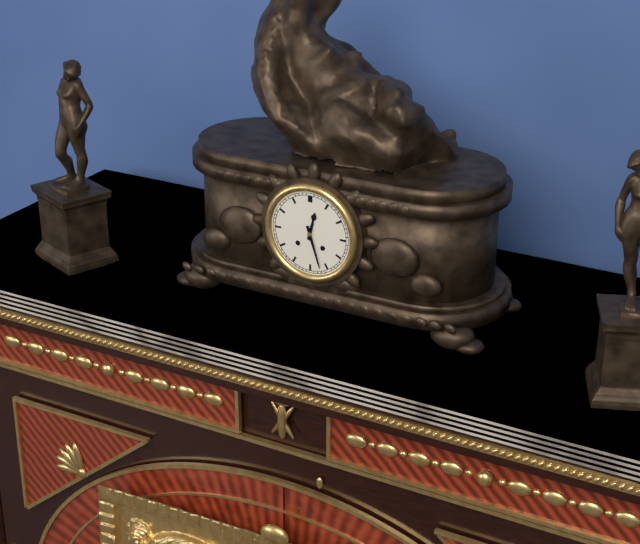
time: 12:27
